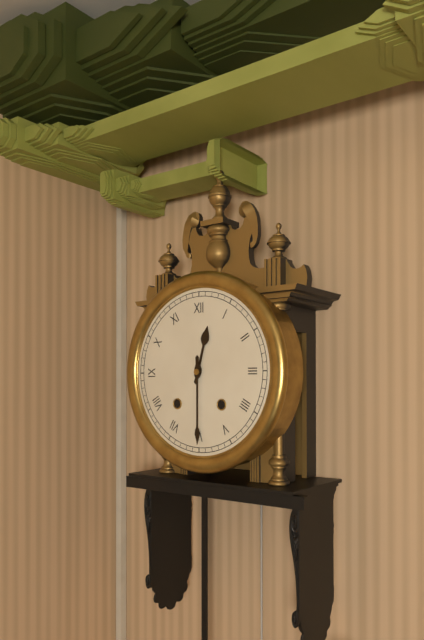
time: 12:30
